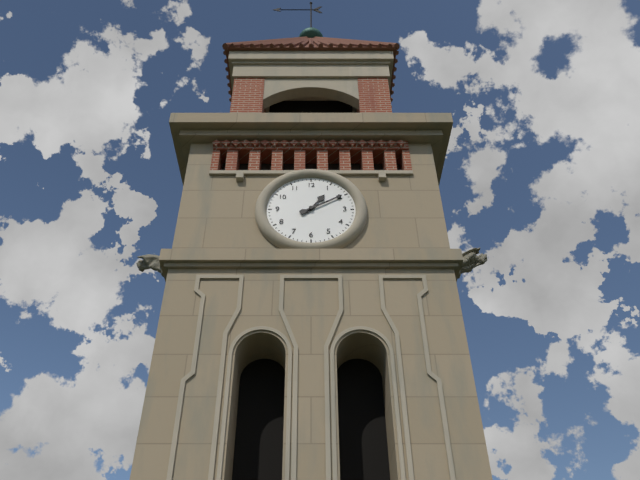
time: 1:10
